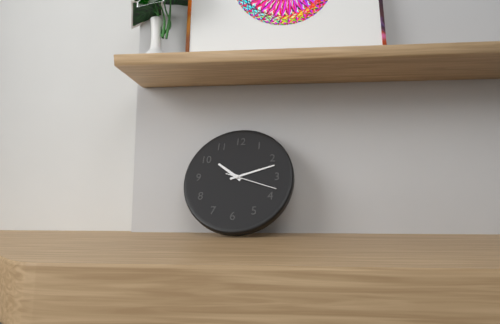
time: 10:12:18
